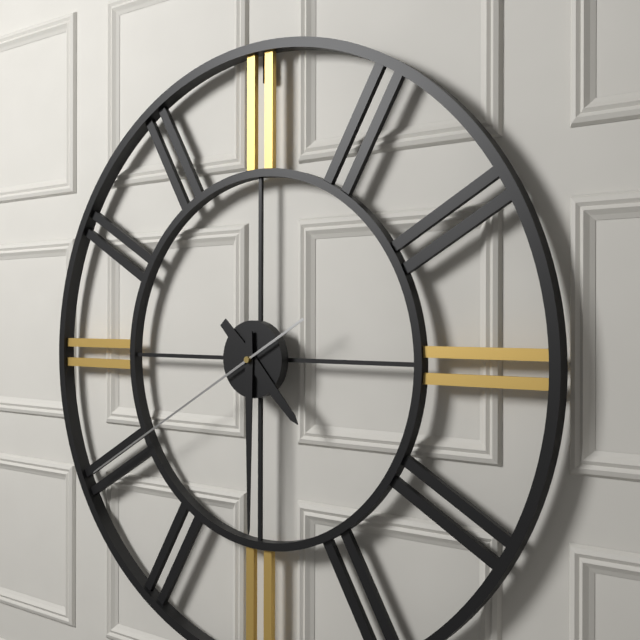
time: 4:30:40
